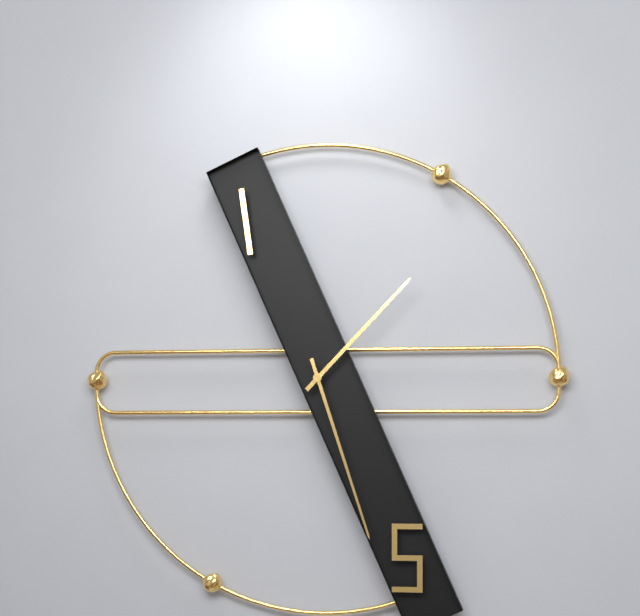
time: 1:27
